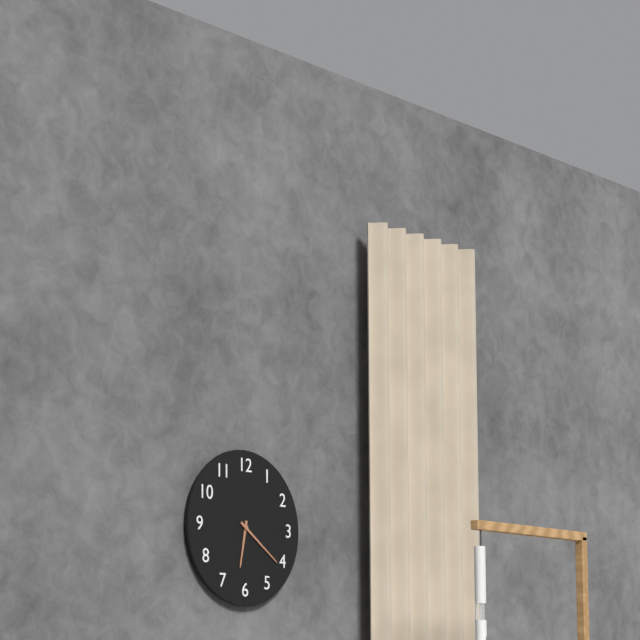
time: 6:21
